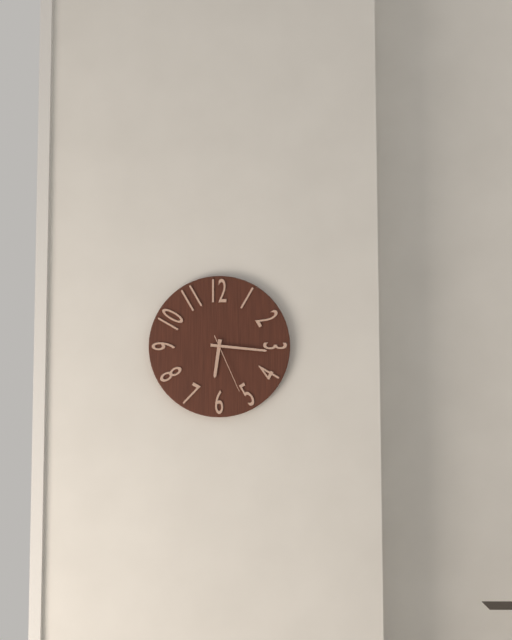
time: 6:16:26
